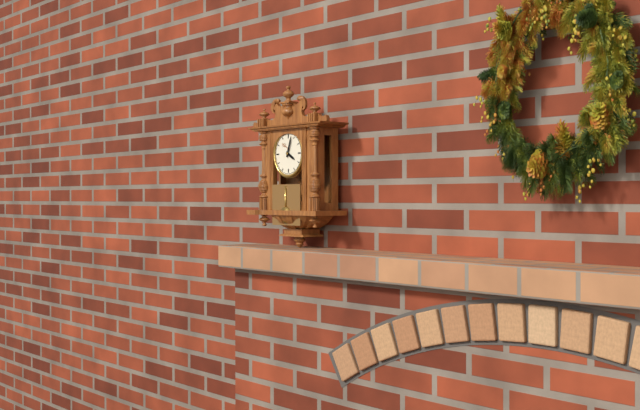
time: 4:03
